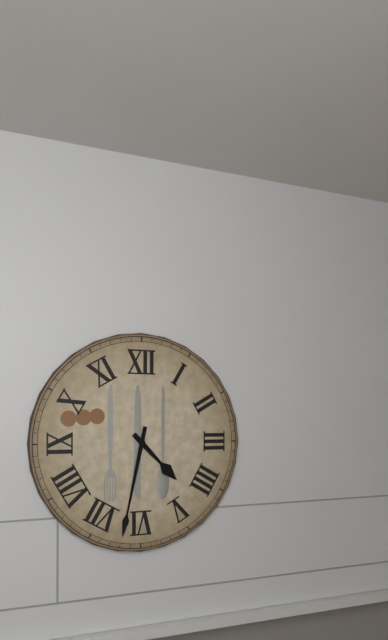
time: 4:32
